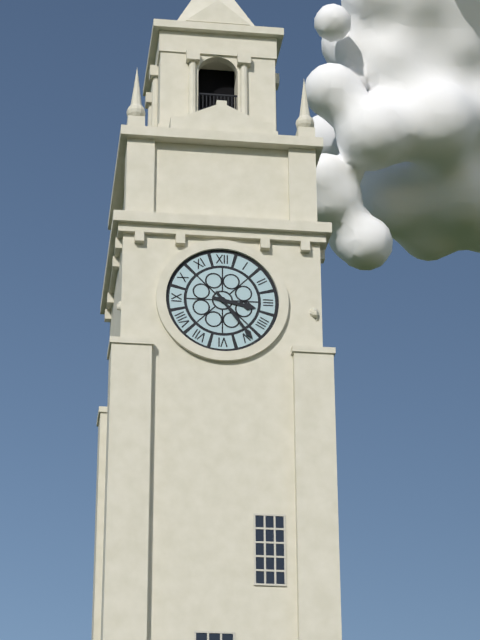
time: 3:24
